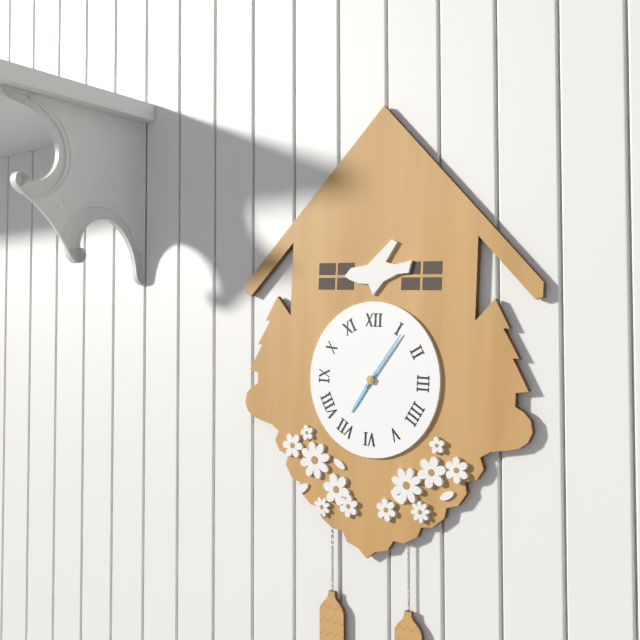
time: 7:06
